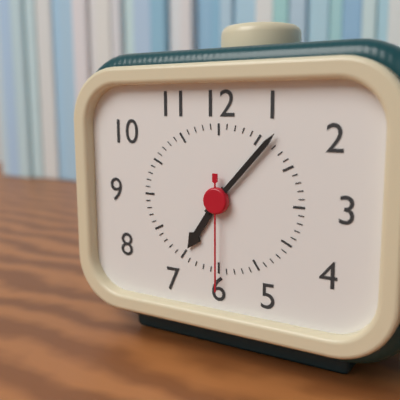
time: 7:07:30
